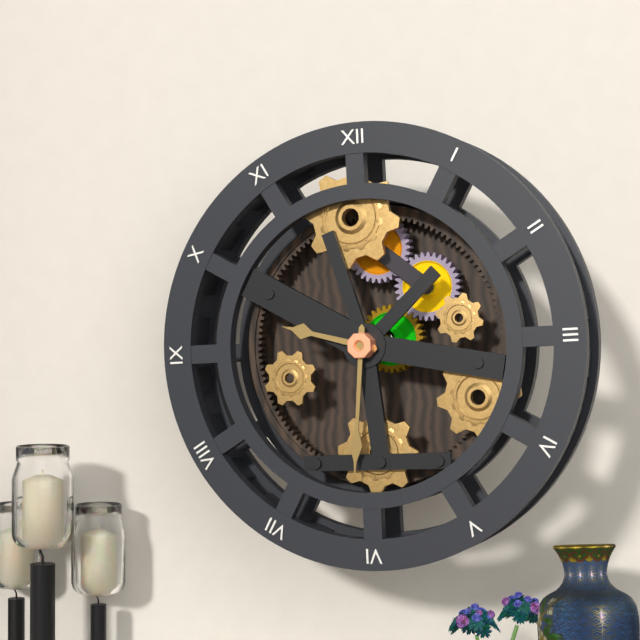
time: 9:31
